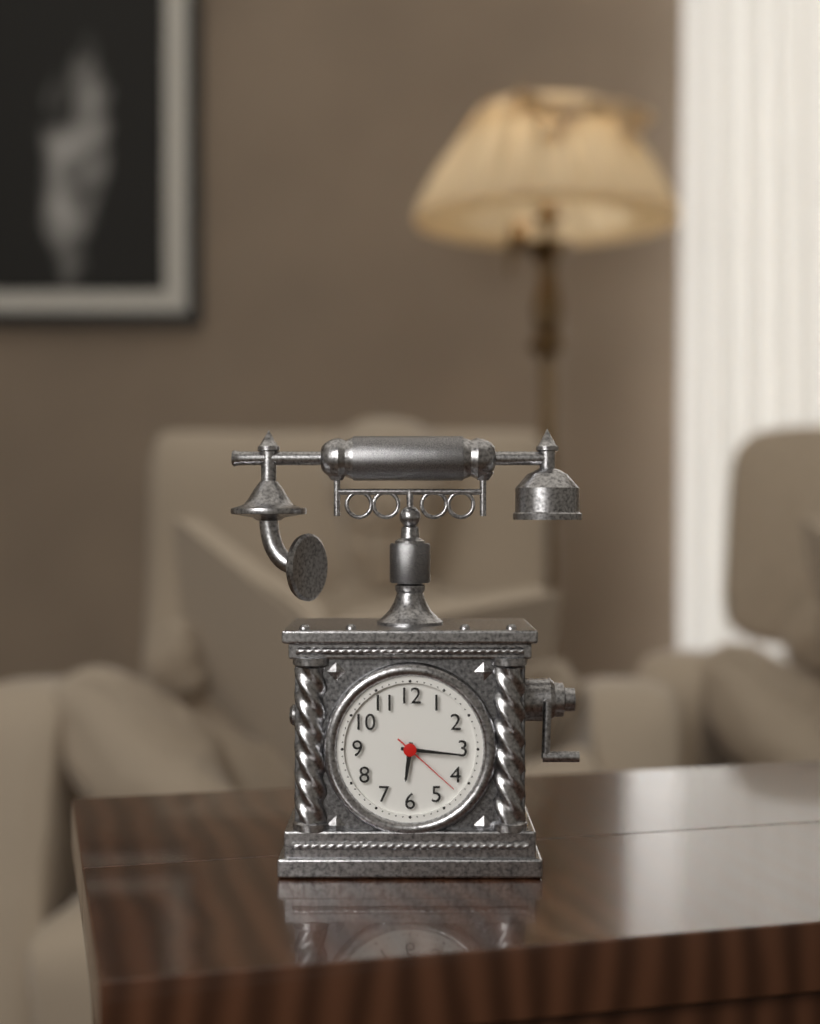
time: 6:16:22
